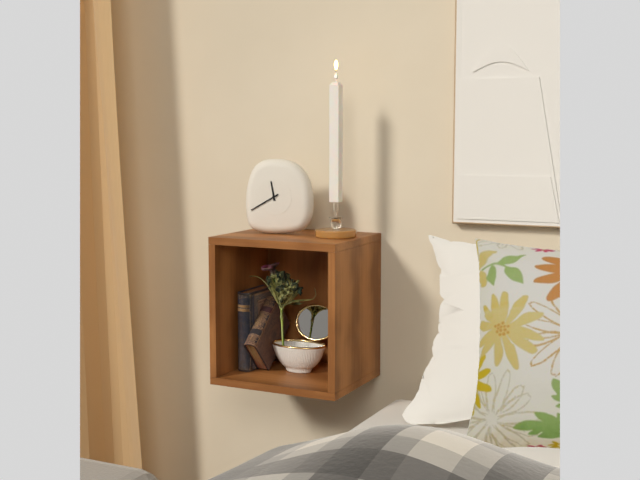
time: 11:40
